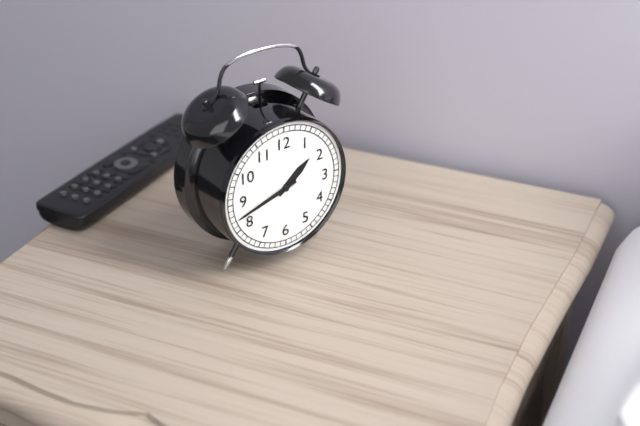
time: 1:42
